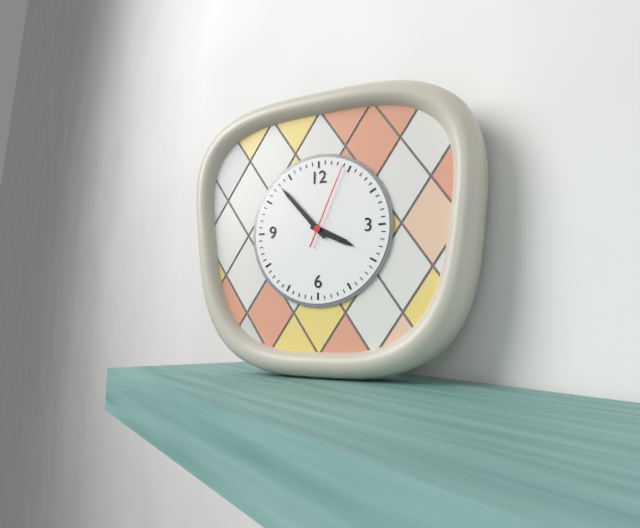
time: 3:53:04
